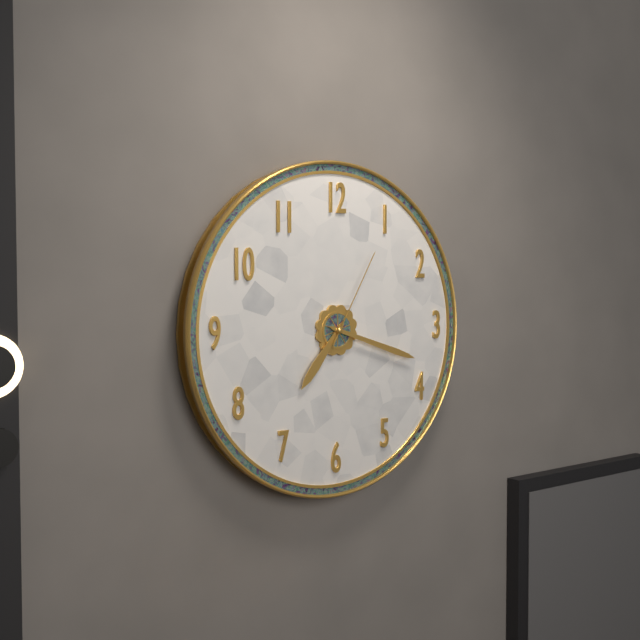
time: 7:18:05
